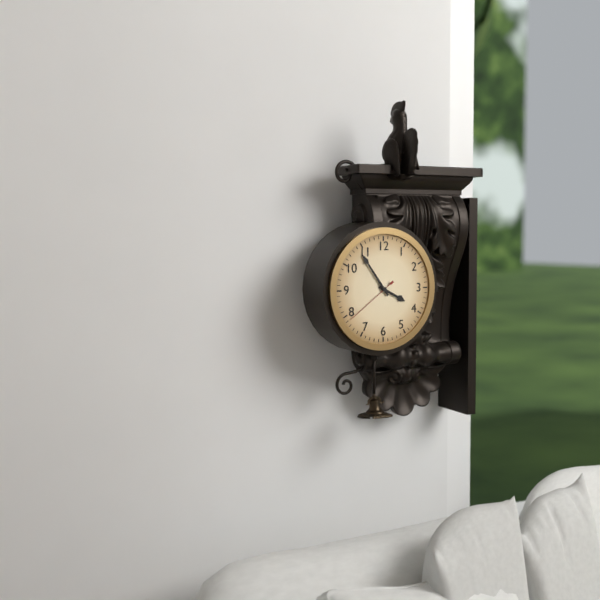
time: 3:54:39
